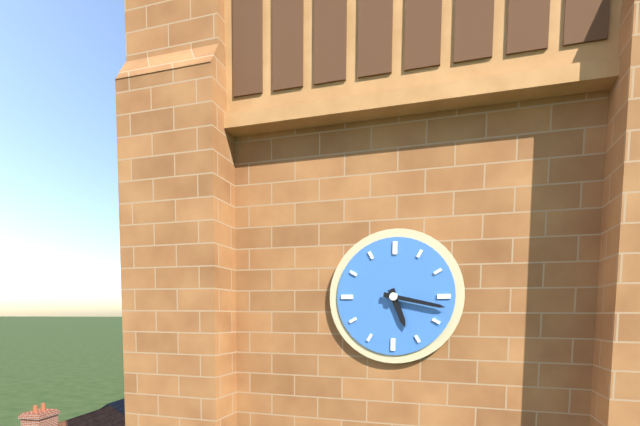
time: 5:17
